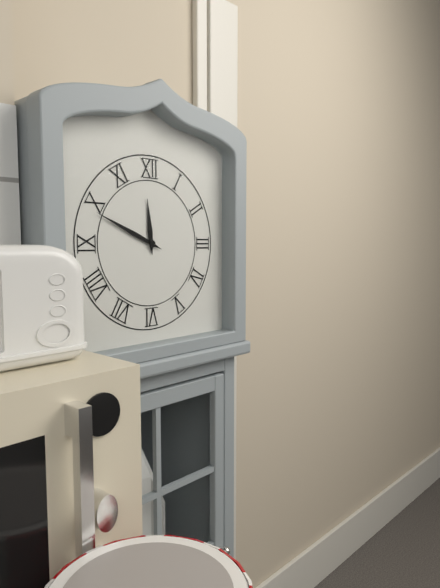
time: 11:49
